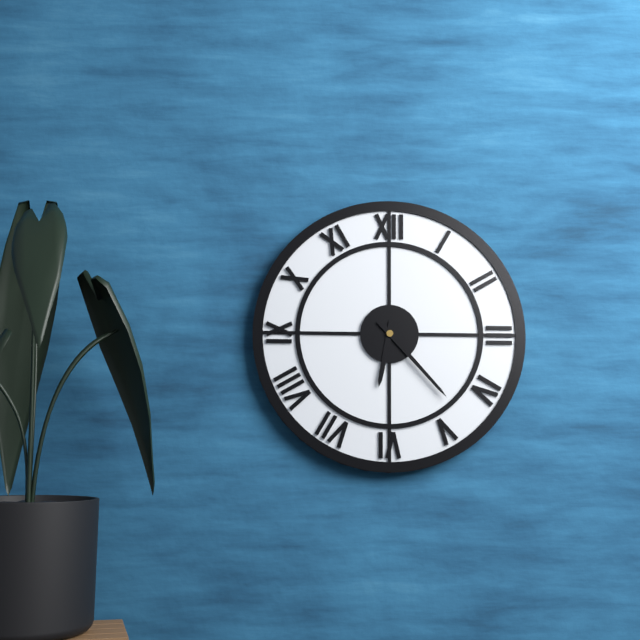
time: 6:23
